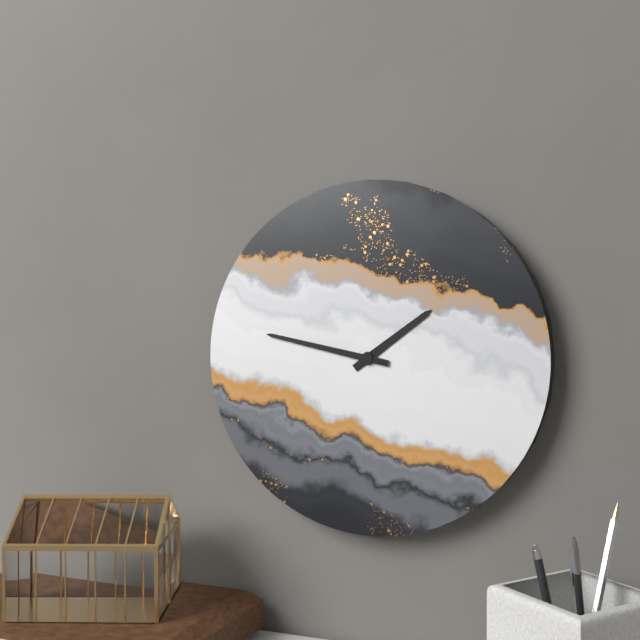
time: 1:47
